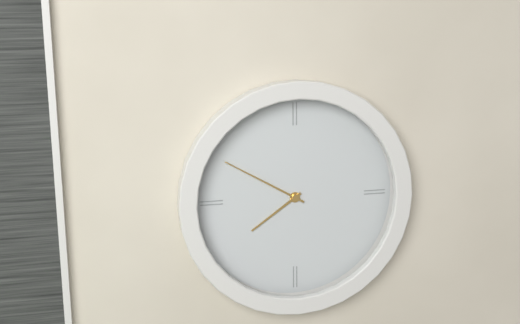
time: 7:50
